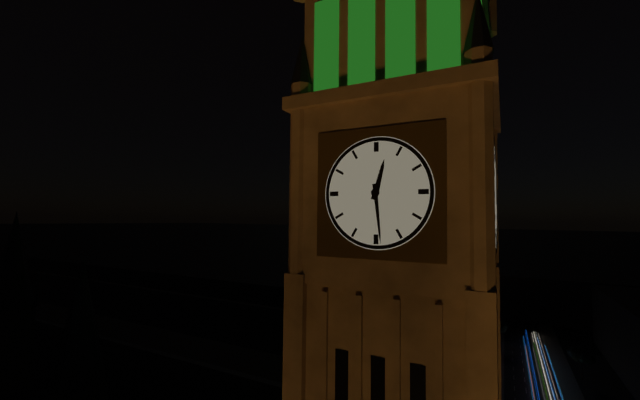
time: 12:29
